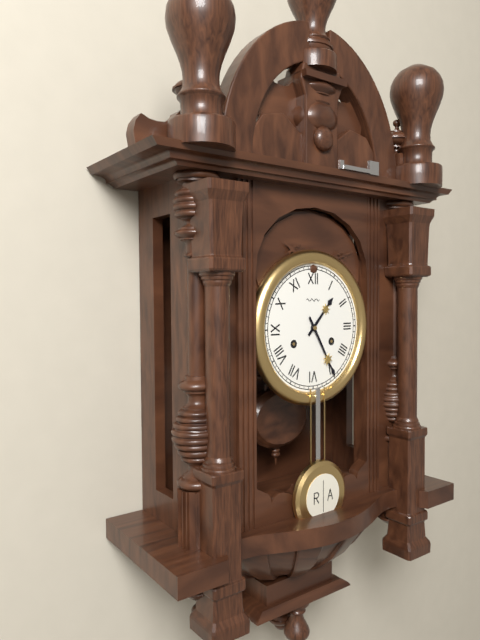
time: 1:25
